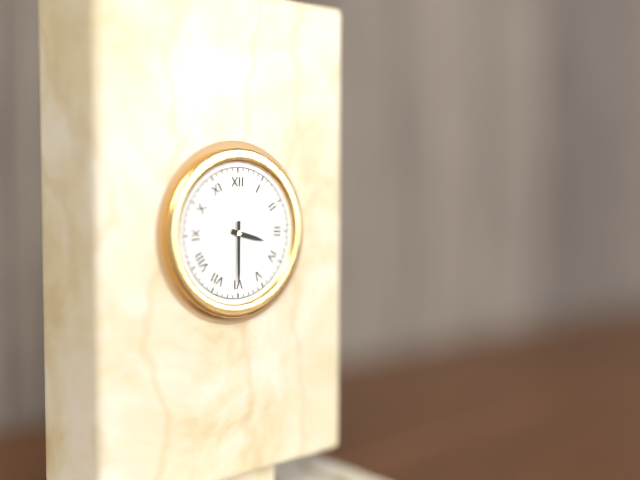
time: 3:30
